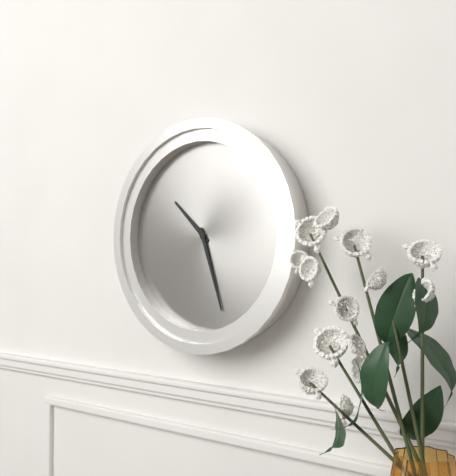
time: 10:27
